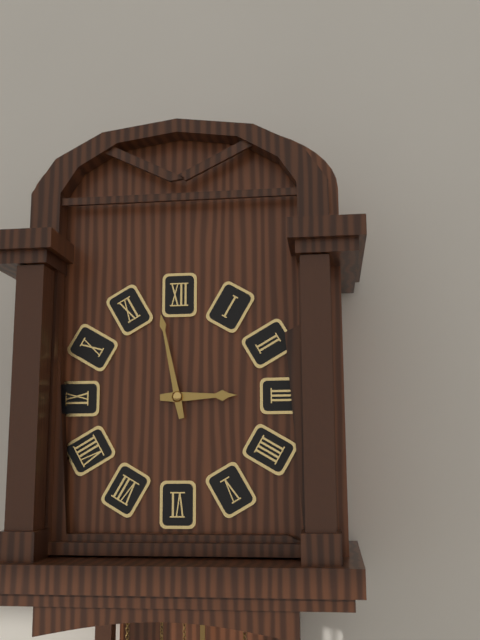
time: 2:58
